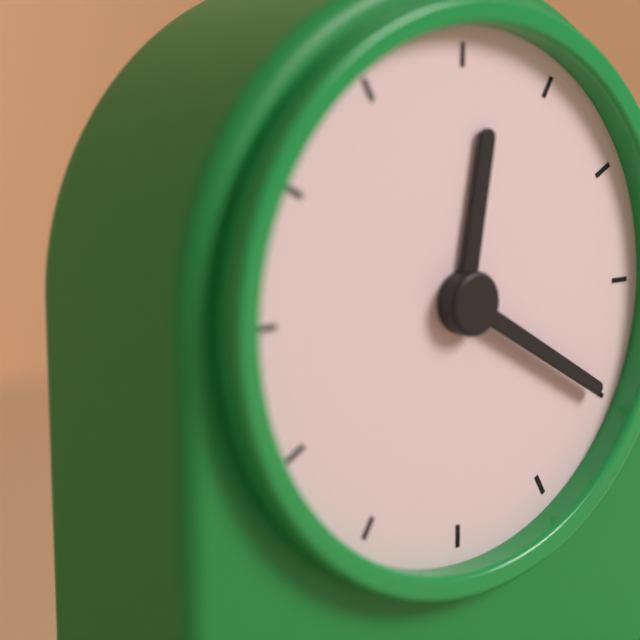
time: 12:20
